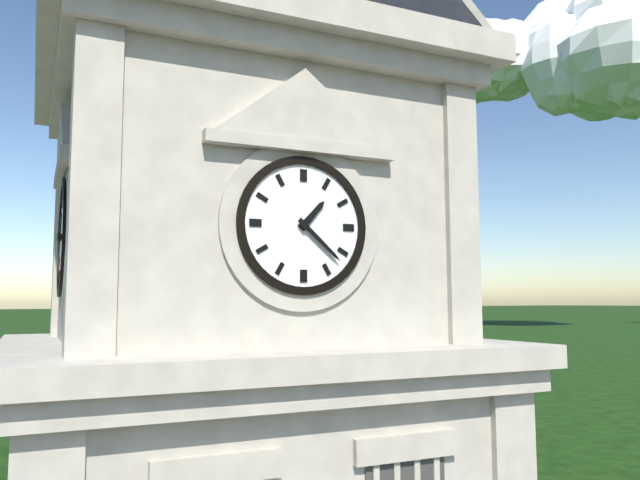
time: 1:22
